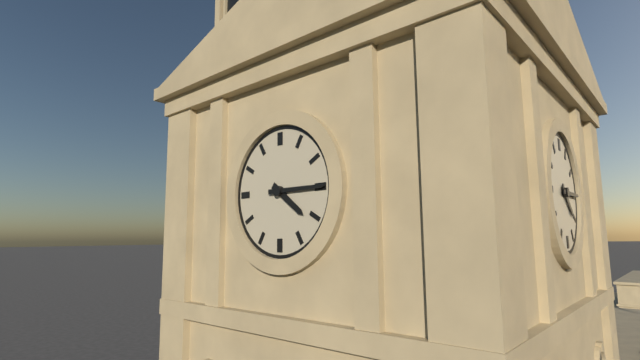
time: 4:15
